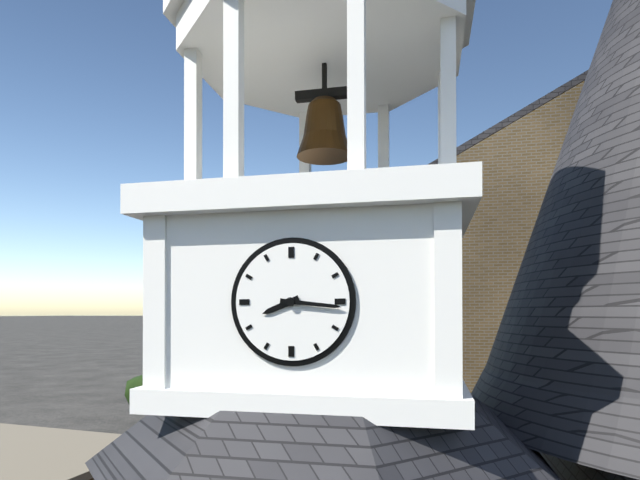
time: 8:16
